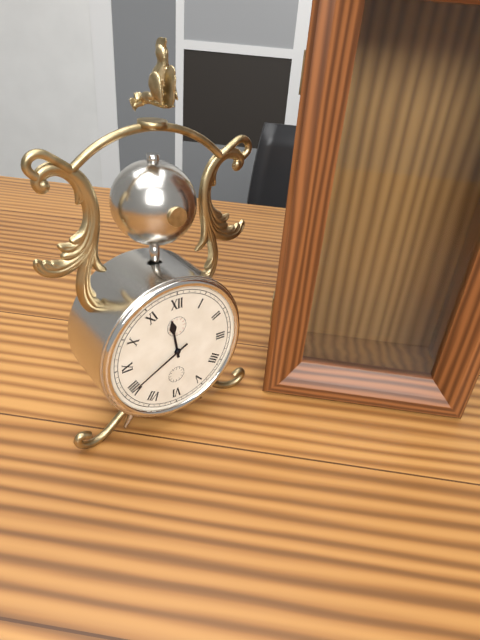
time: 11:40
